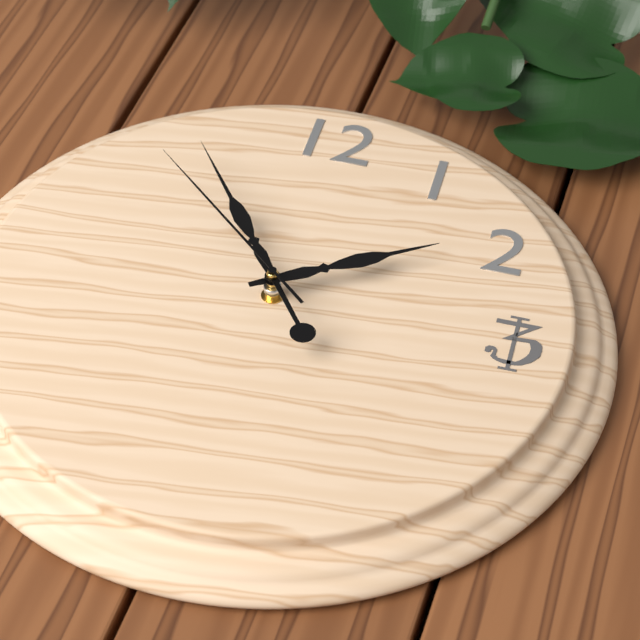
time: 1:54:52
